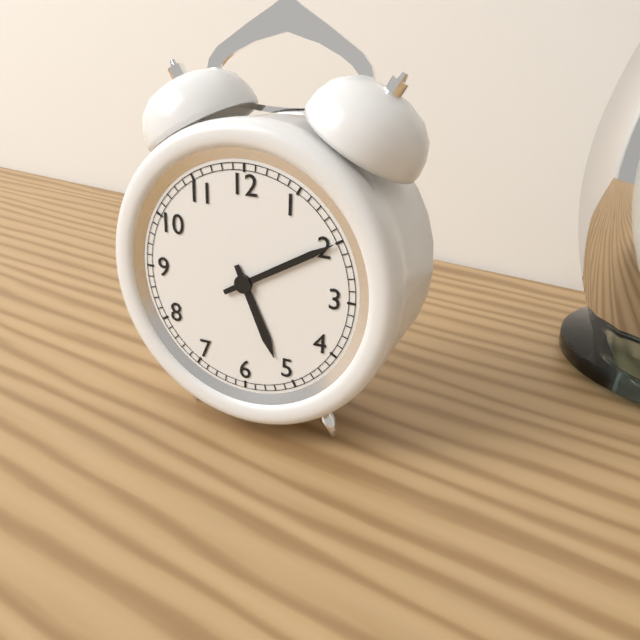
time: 5:10
